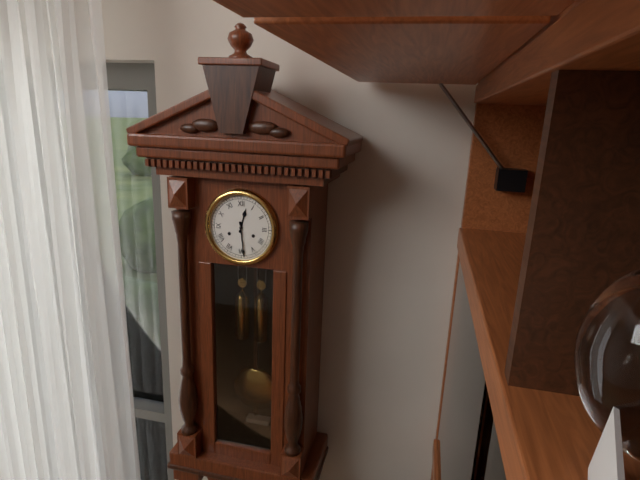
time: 12:29
